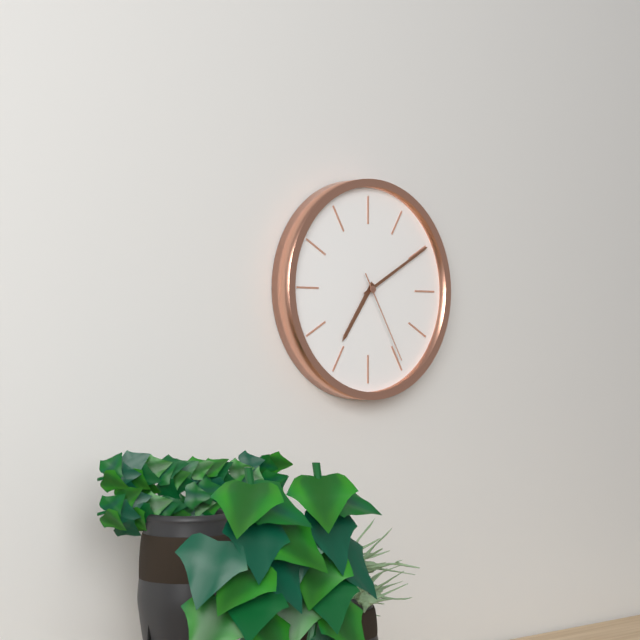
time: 7:10:25
